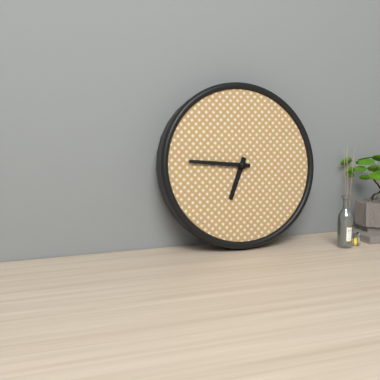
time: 6:46
